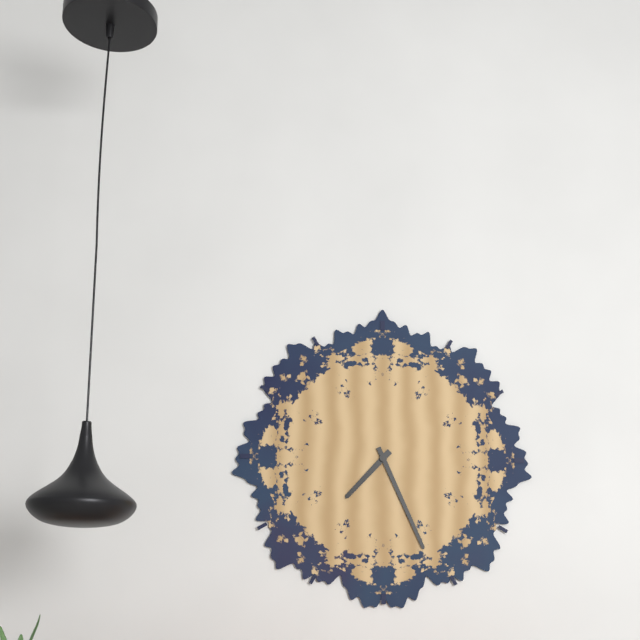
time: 7:26
